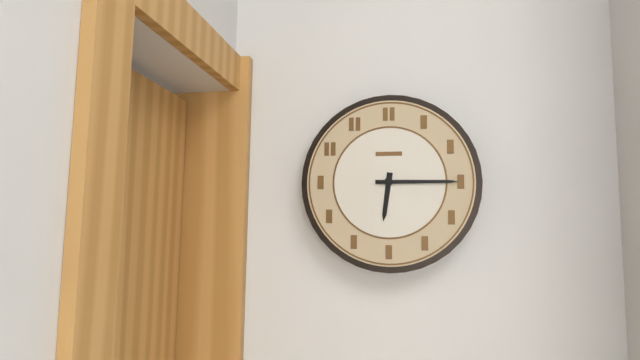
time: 6:15
